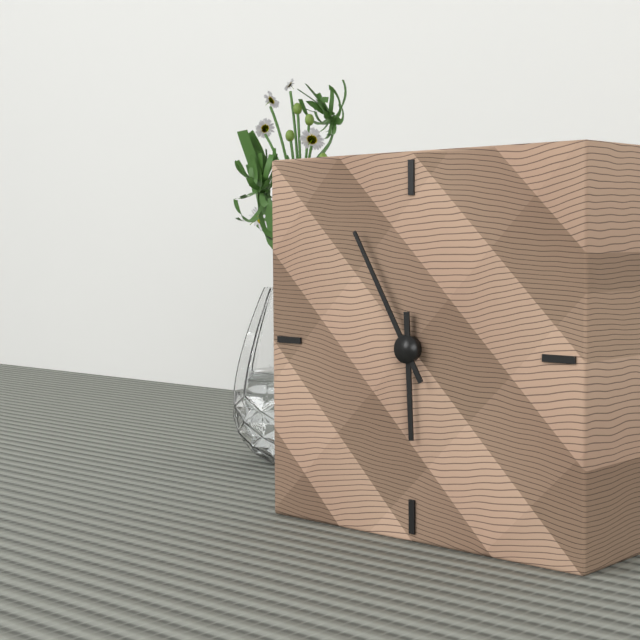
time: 5:55
